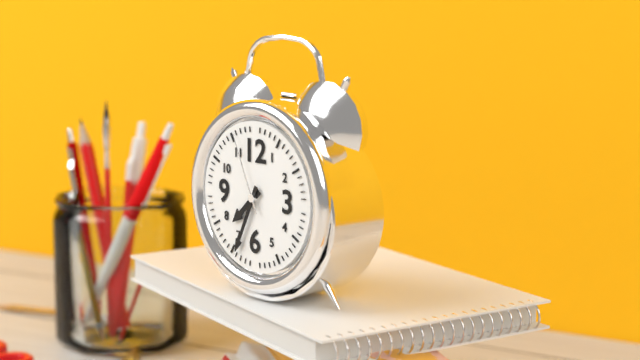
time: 7:34:56
